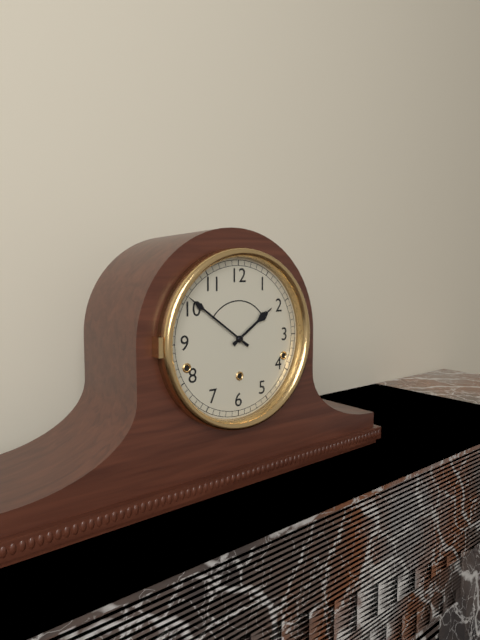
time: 1:51
